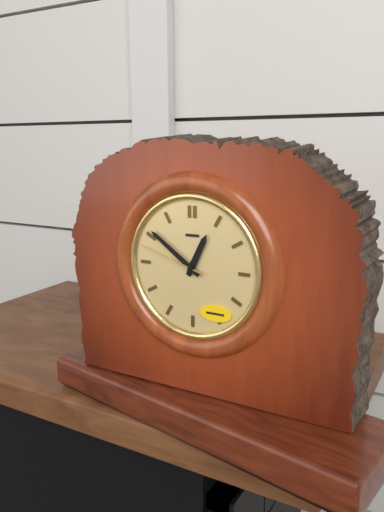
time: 12:51:48
